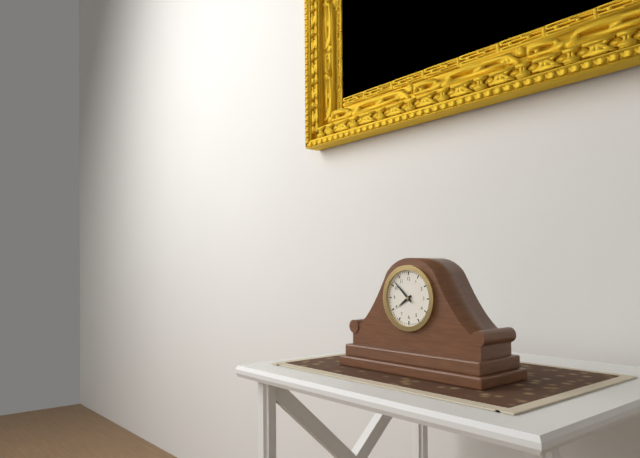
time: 7:52
